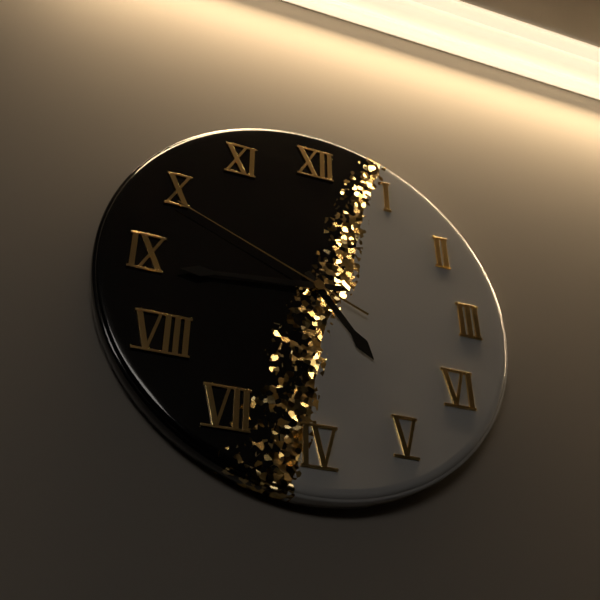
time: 4:44:49
